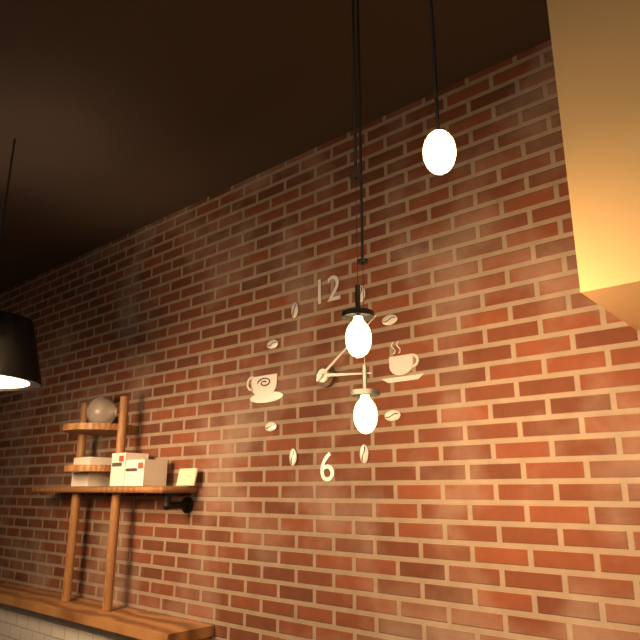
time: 3:09
